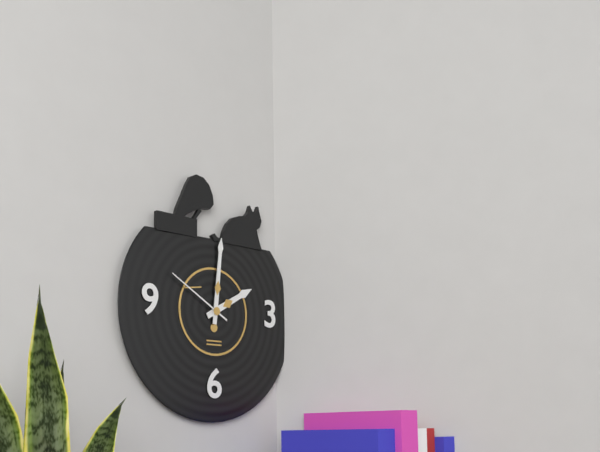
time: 2:01:50
